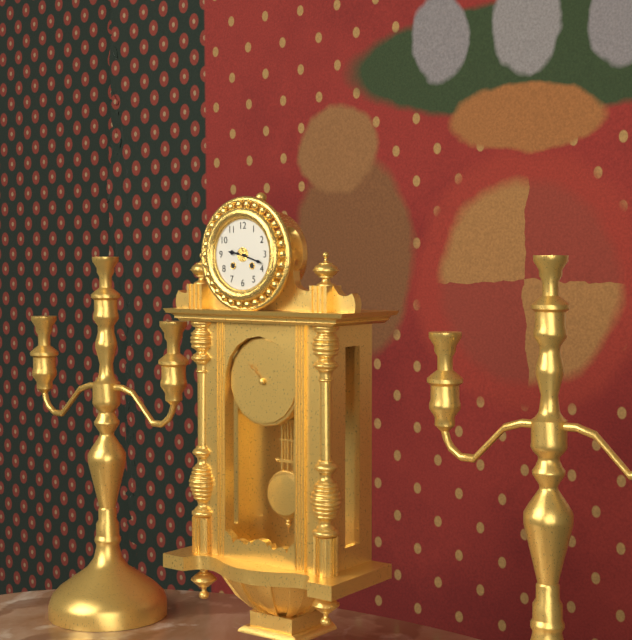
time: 9:18
